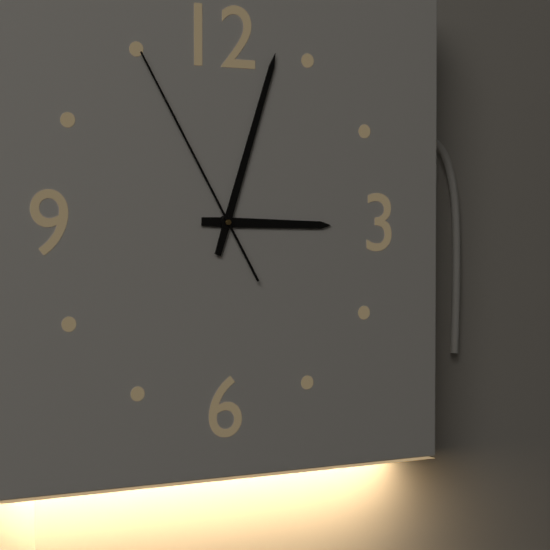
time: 3:03:55
